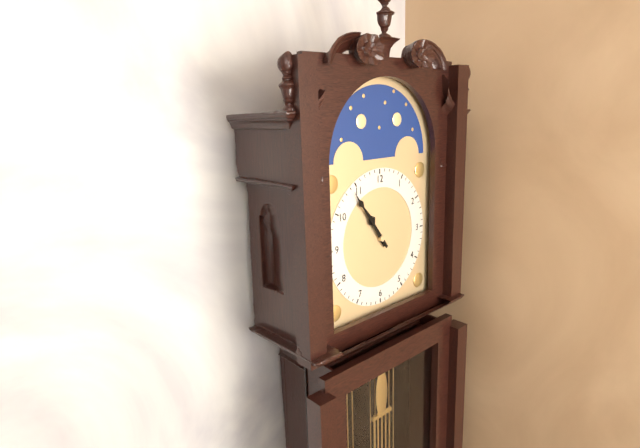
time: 10:54
